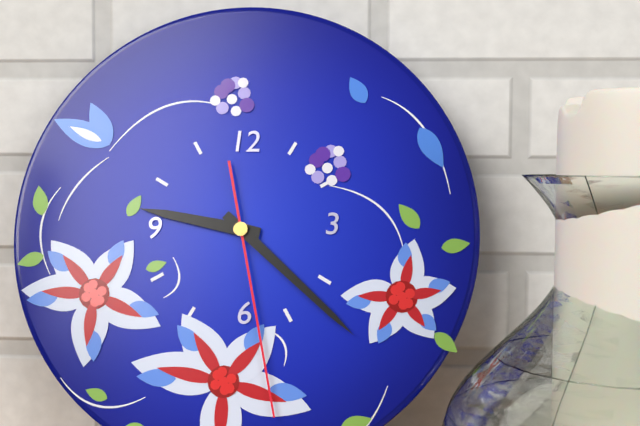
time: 9:22:28
